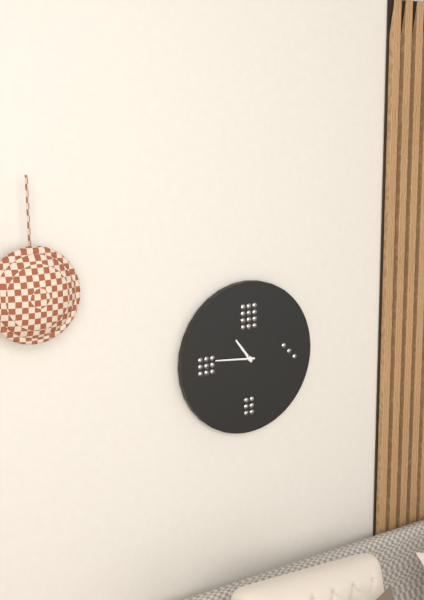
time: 10:46
